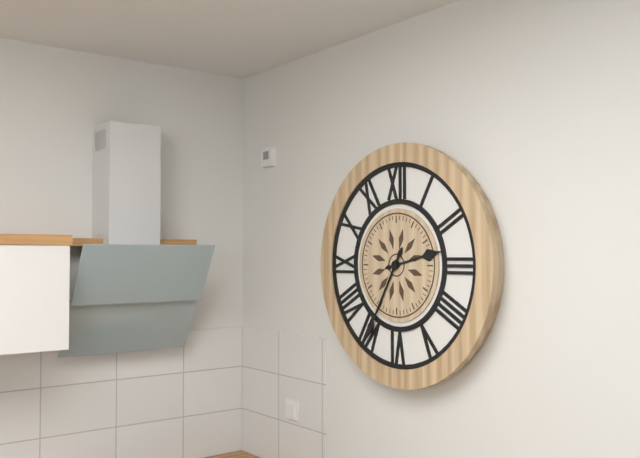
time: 2:35
